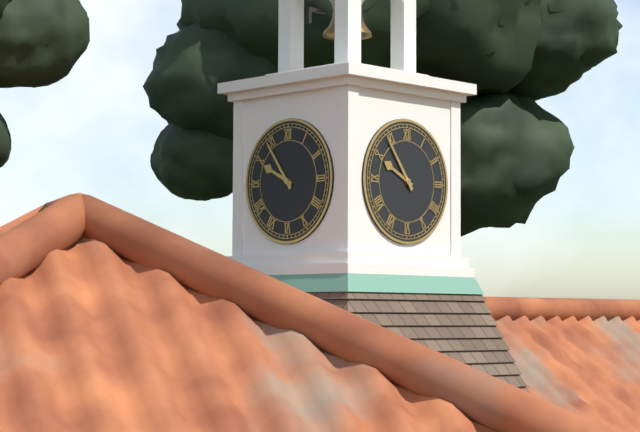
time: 9:54
